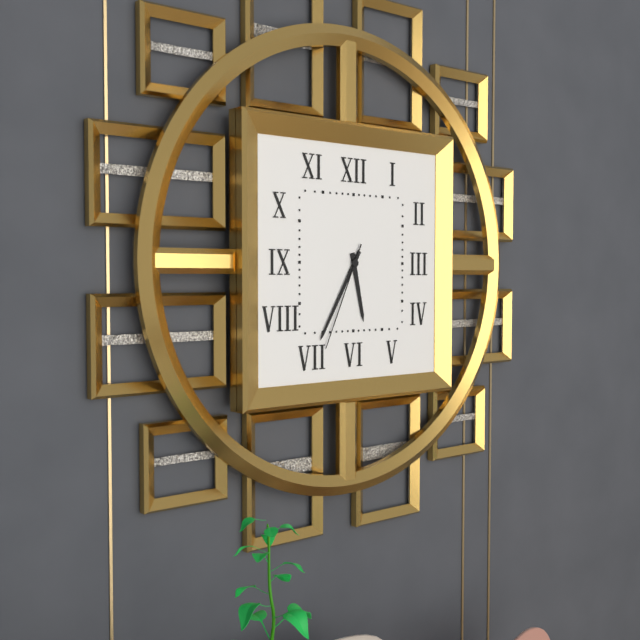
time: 5:35:34
